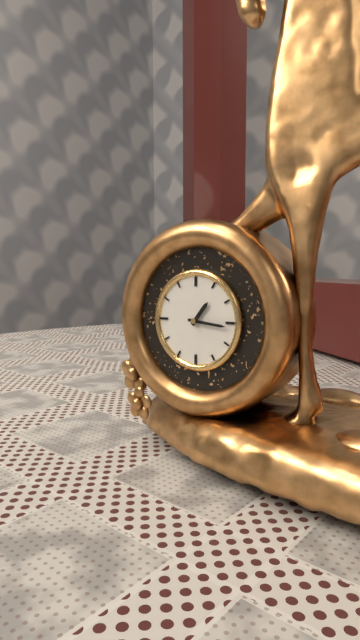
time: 1:16
